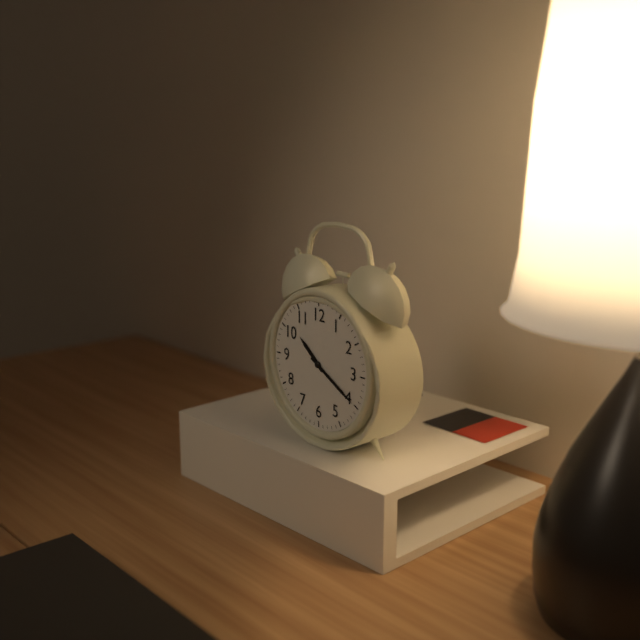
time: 10:20
